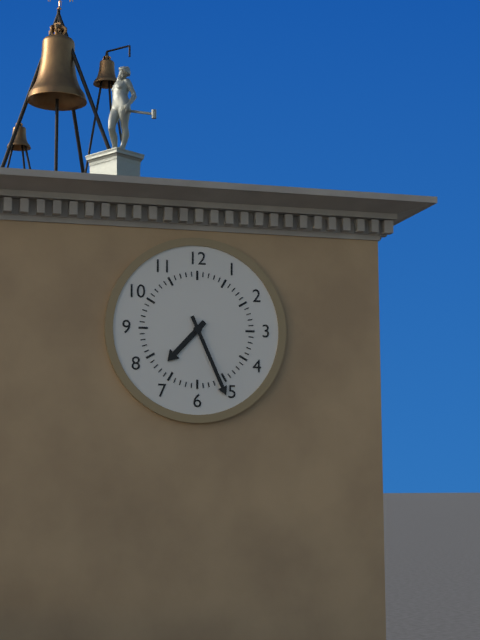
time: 7:26
